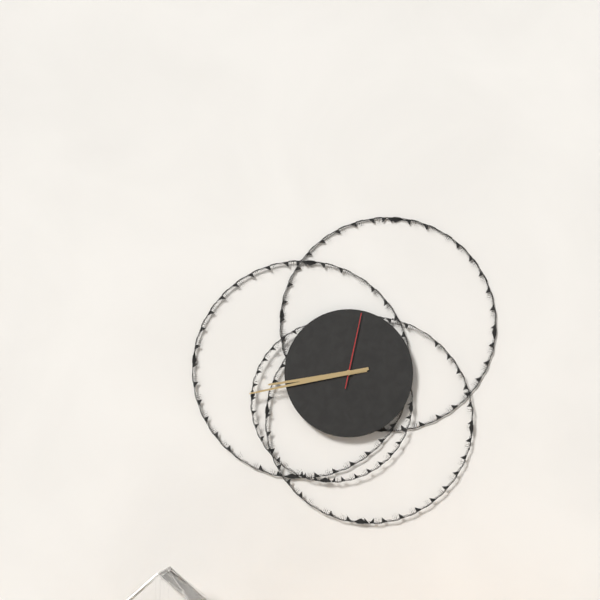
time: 8:43:02
